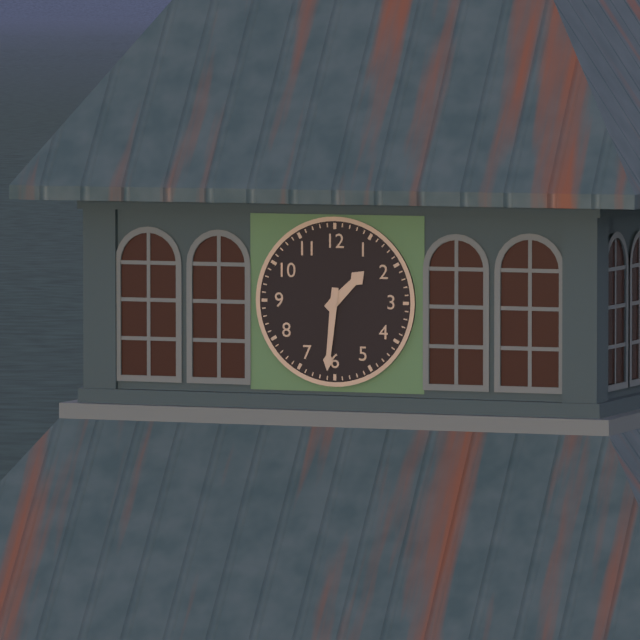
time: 1:31
